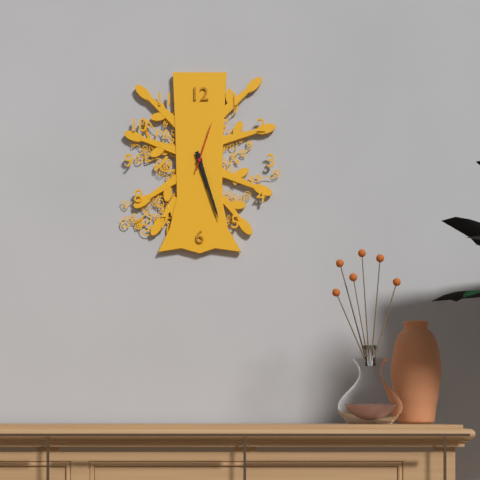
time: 5:27:03
